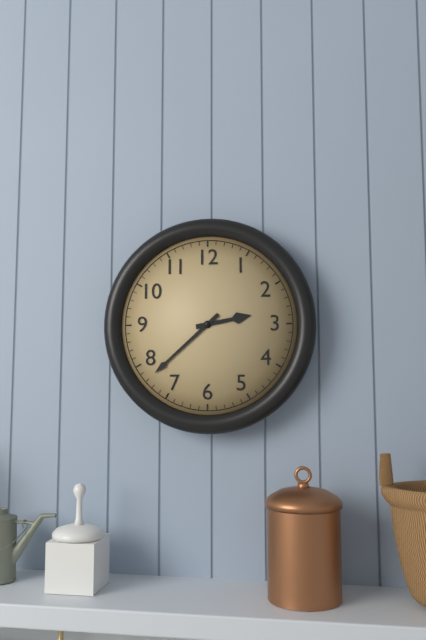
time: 2:38
